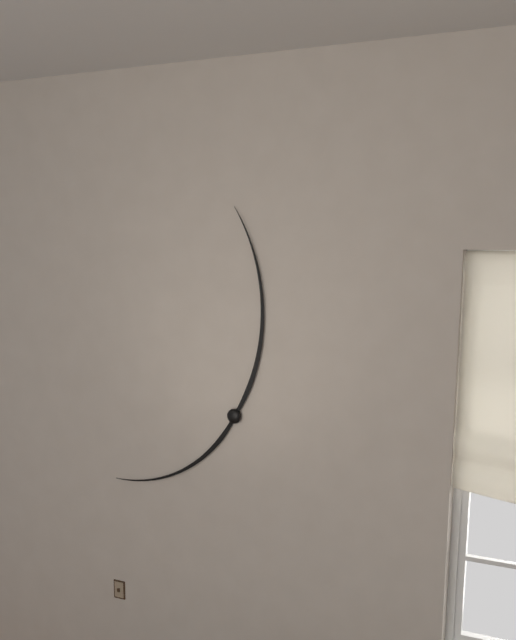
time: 8:00
